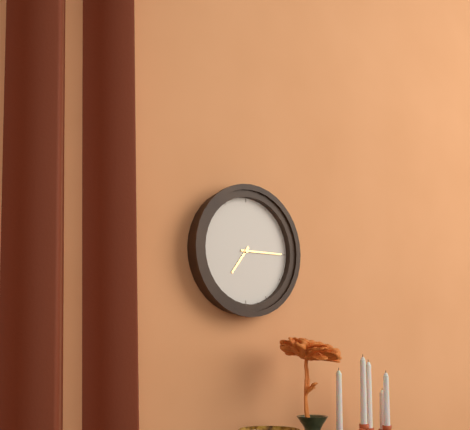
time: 7:15
